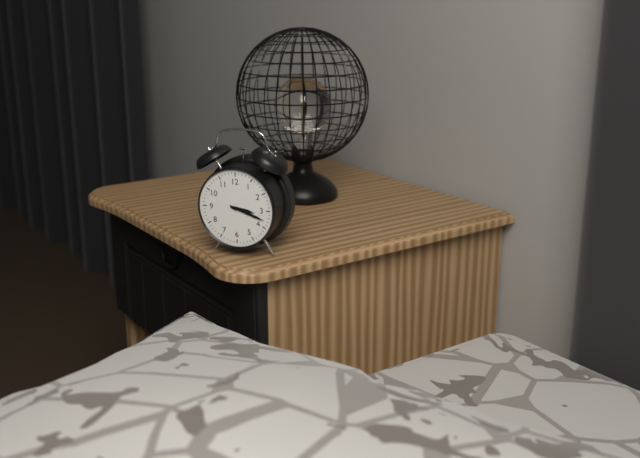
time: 3:18
